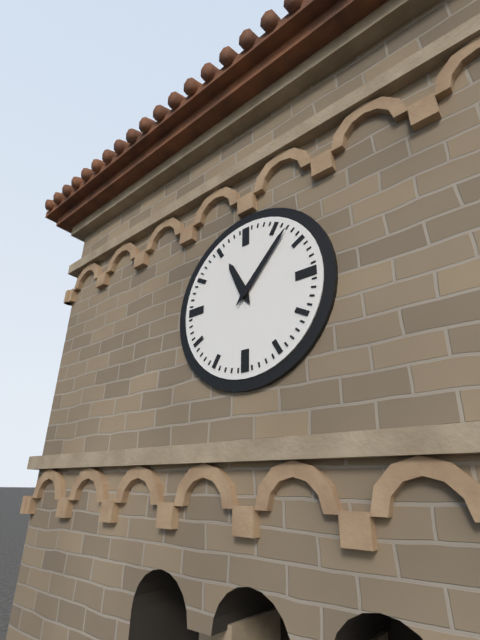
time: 11:07
